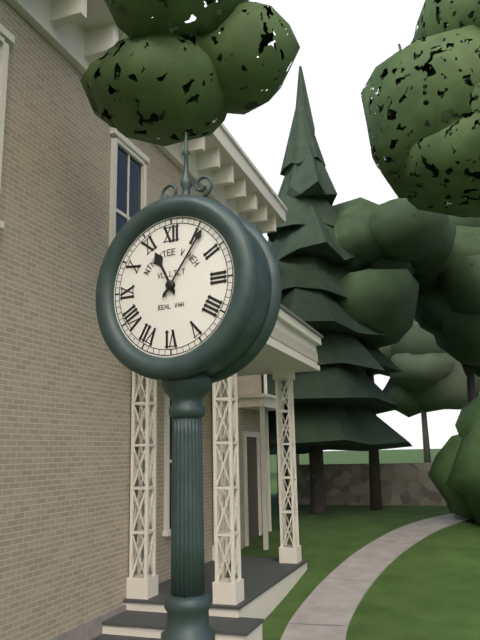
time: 11:06
